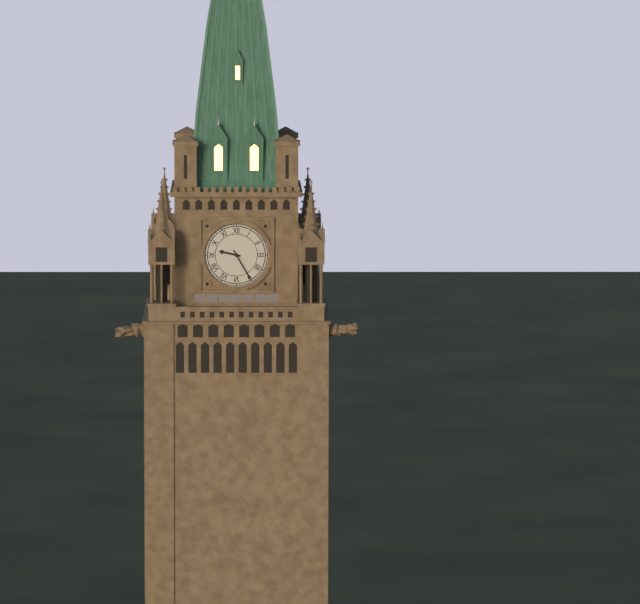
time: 9:25
